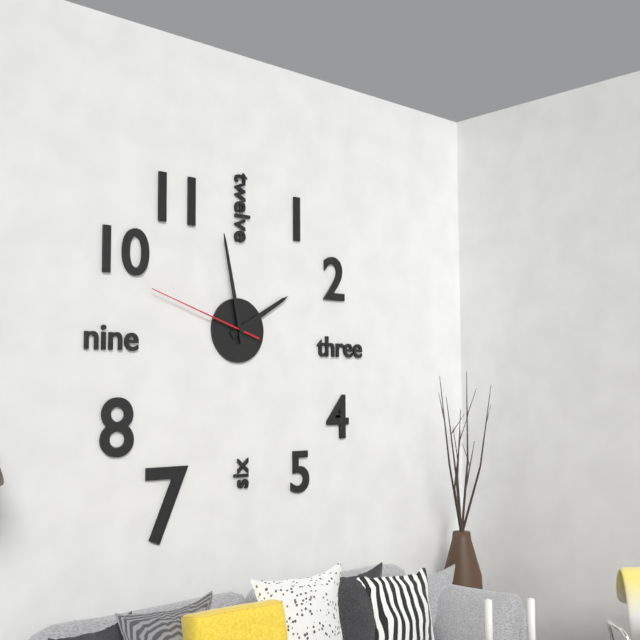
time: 1:58:48
